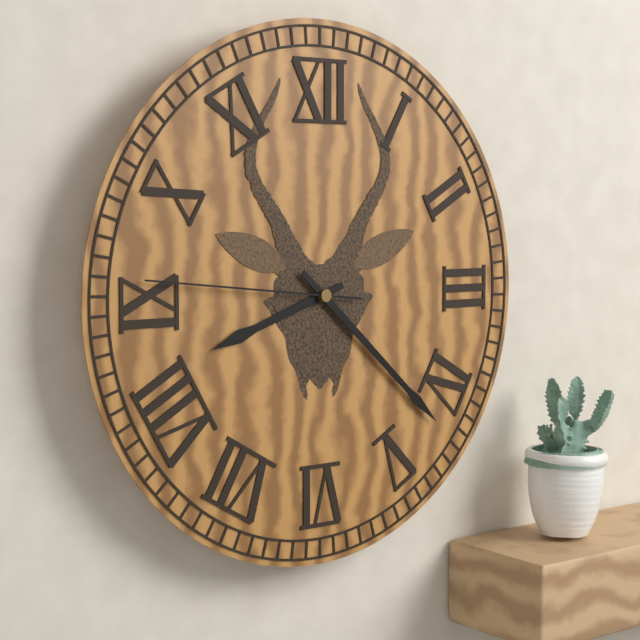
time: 8:22:46
